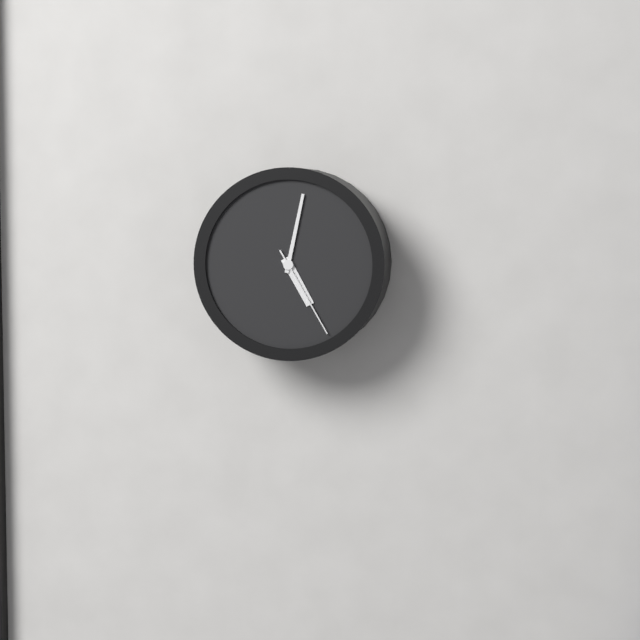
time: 5:02:25
